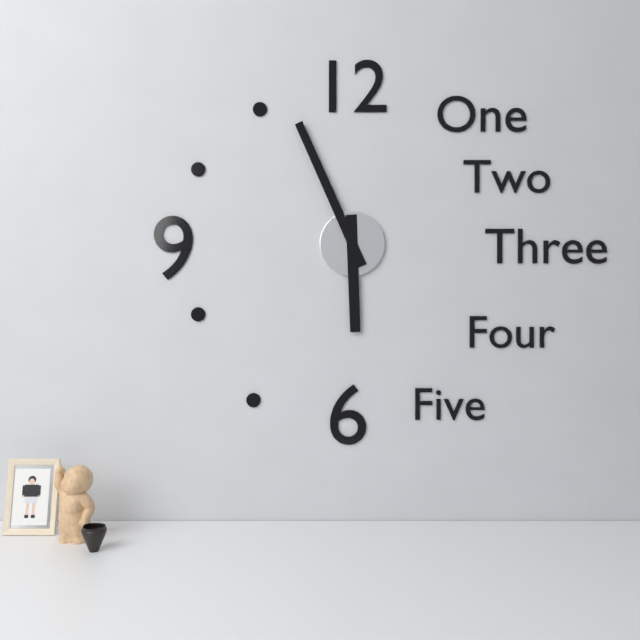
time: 5:56
